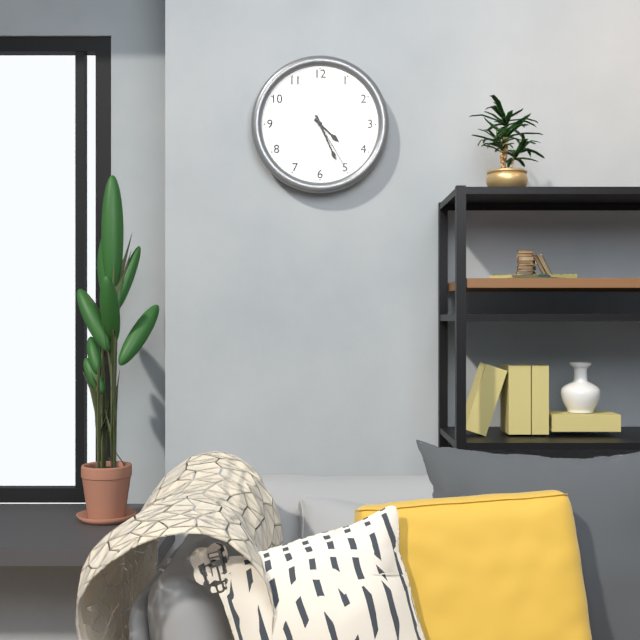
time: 4:26:25
